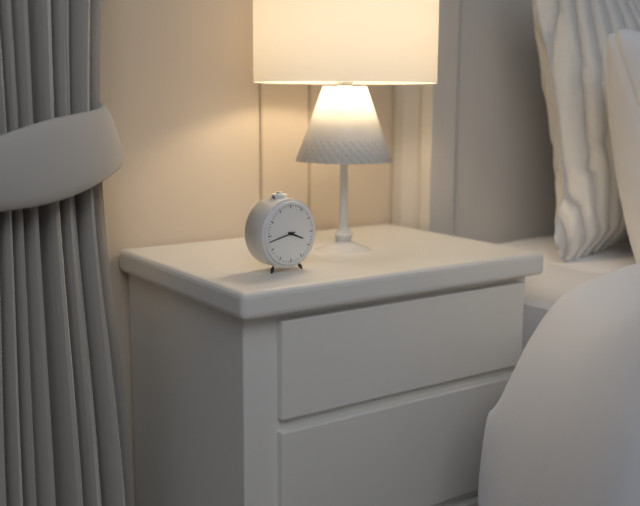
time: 3:43
